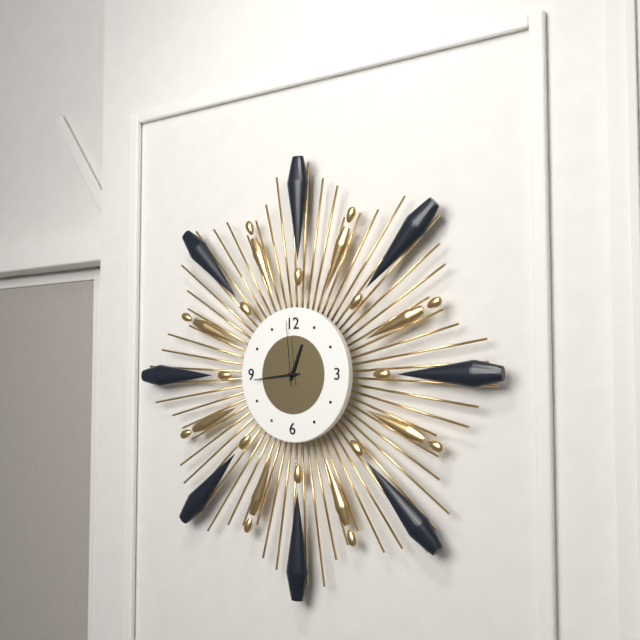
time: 12:44:59
